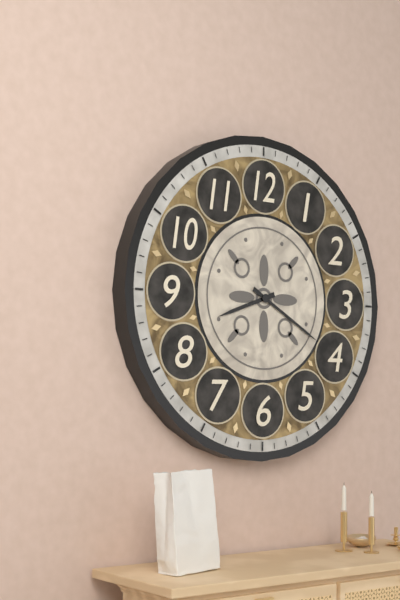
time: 8:20
